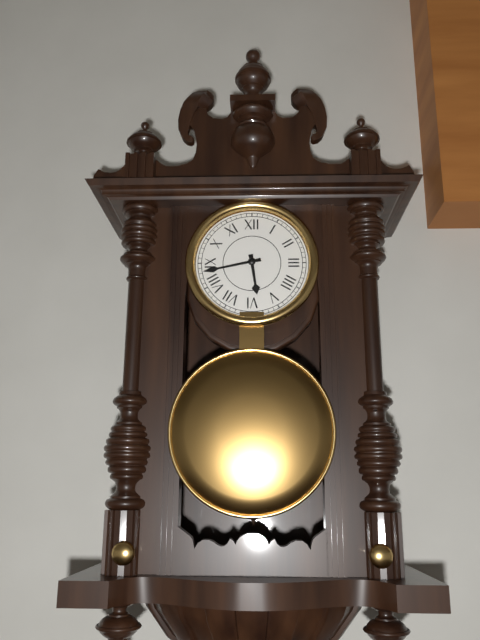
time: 5:43
